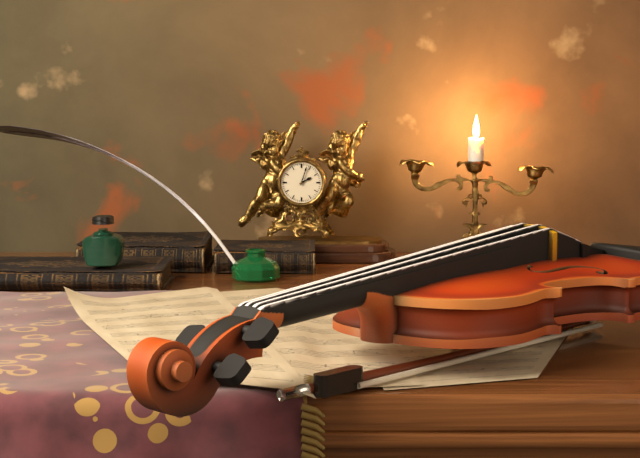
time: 2:03
